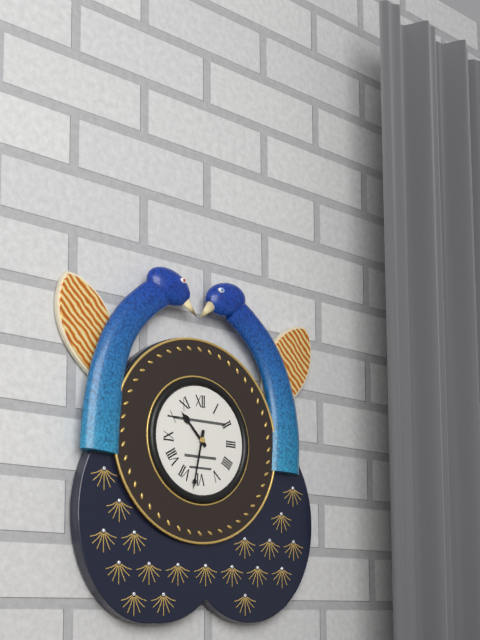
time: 10:32
